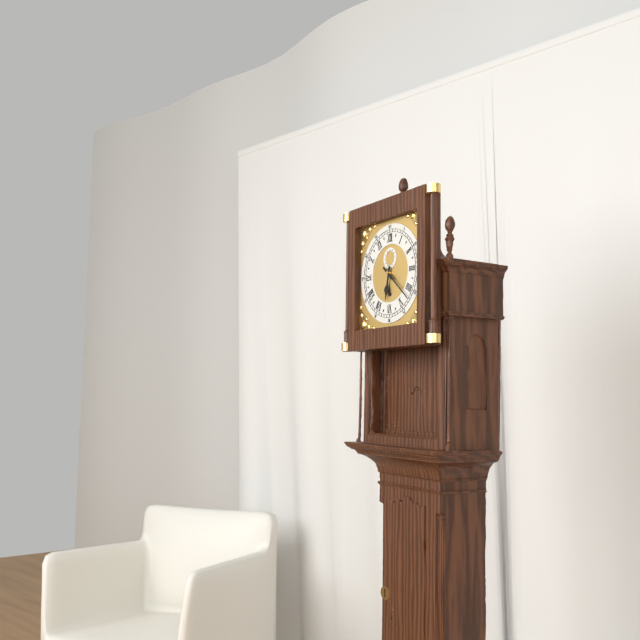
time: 6:22
